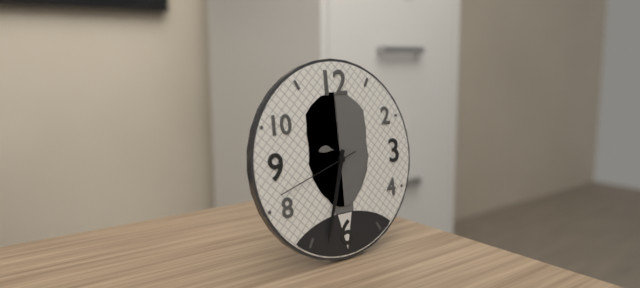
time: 6:33:42
